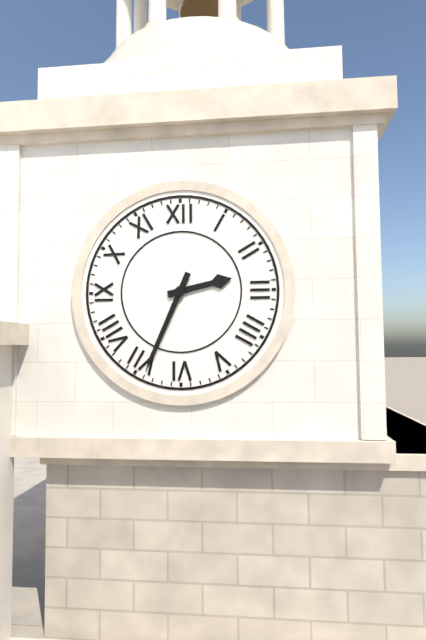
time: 2:34
